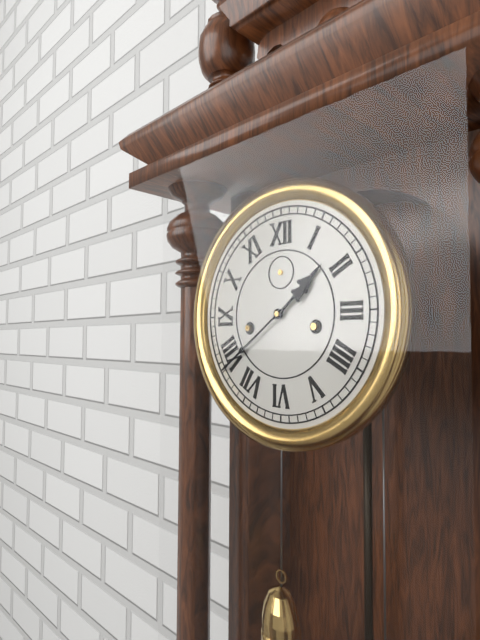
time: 1:39
